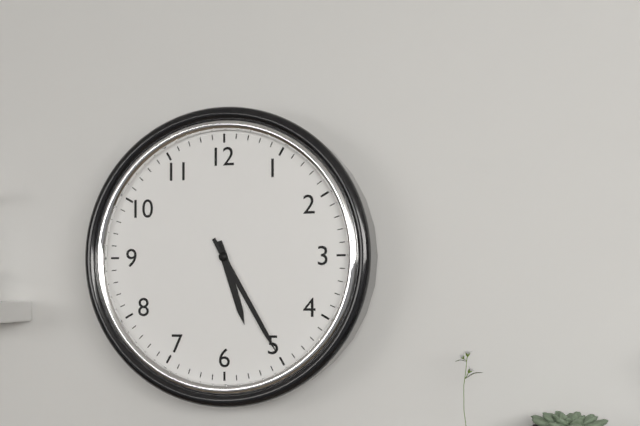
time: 5:25
